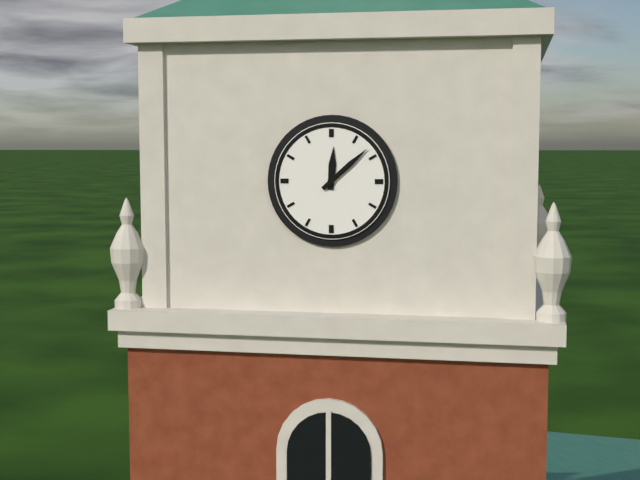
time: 12:08
